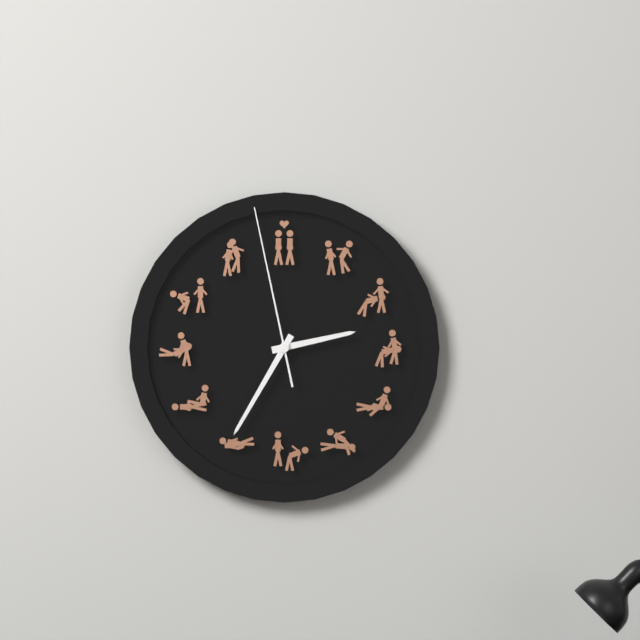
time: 2:35:58
